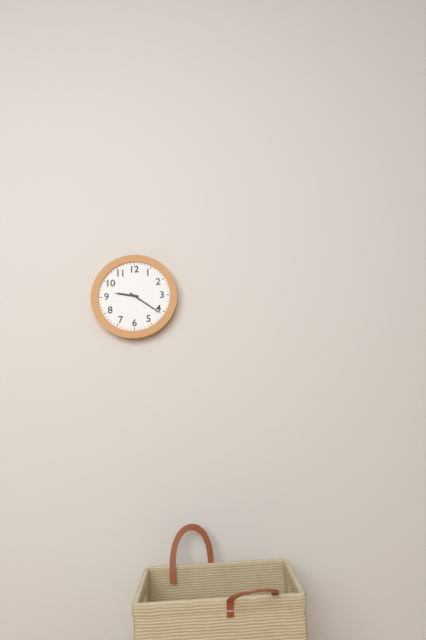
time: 9:21
